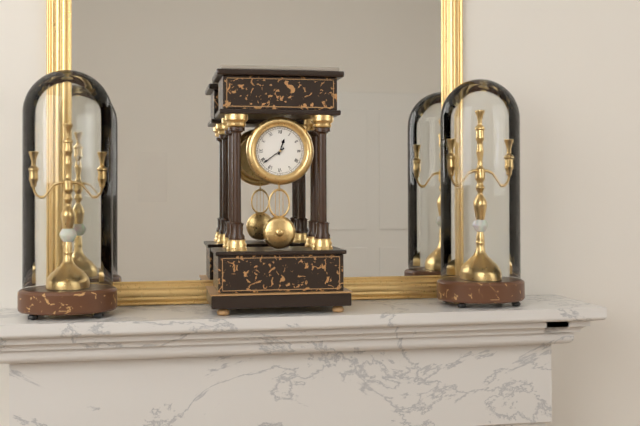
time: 12:39
